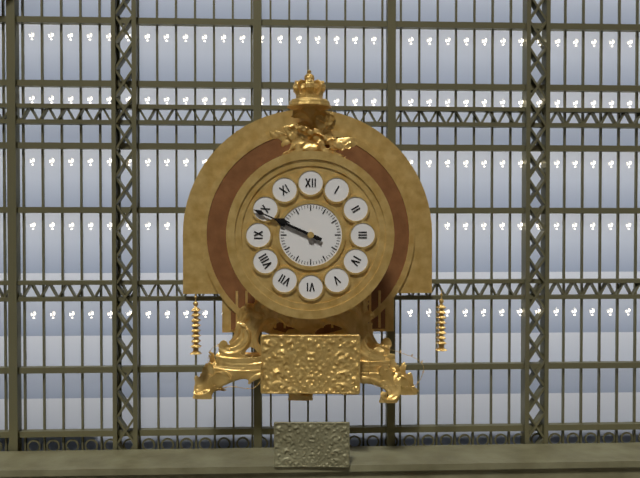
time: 9:49
